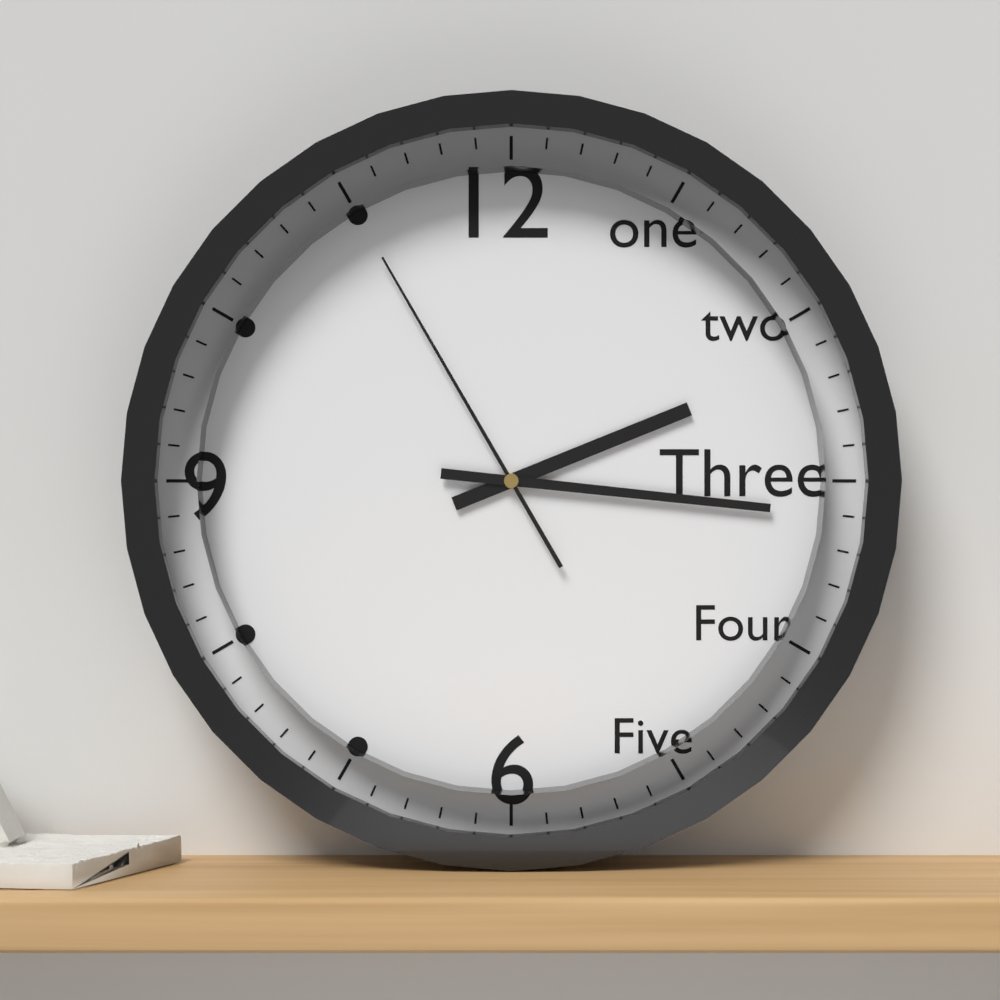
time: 2:16:55
